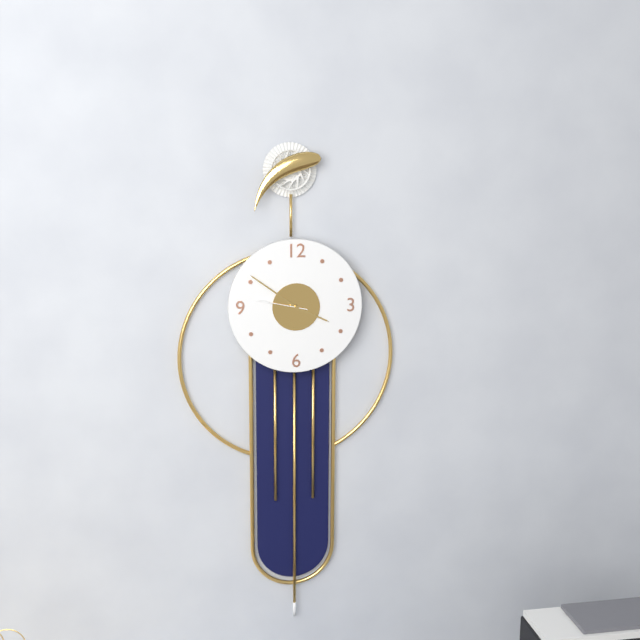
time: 3:51:47
